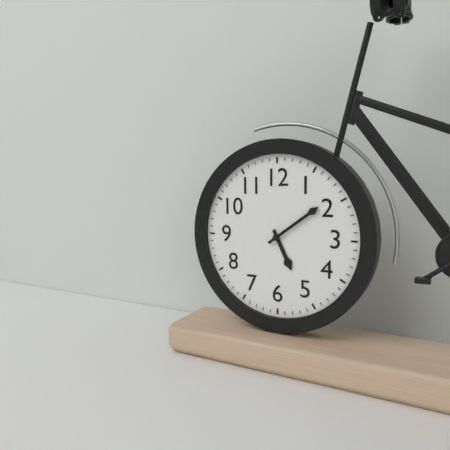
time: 5:09
